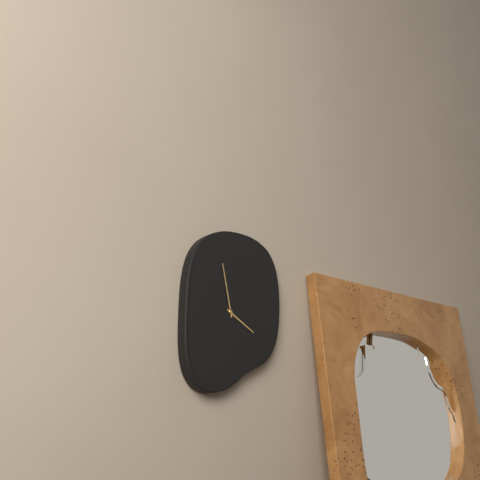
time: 3:58
